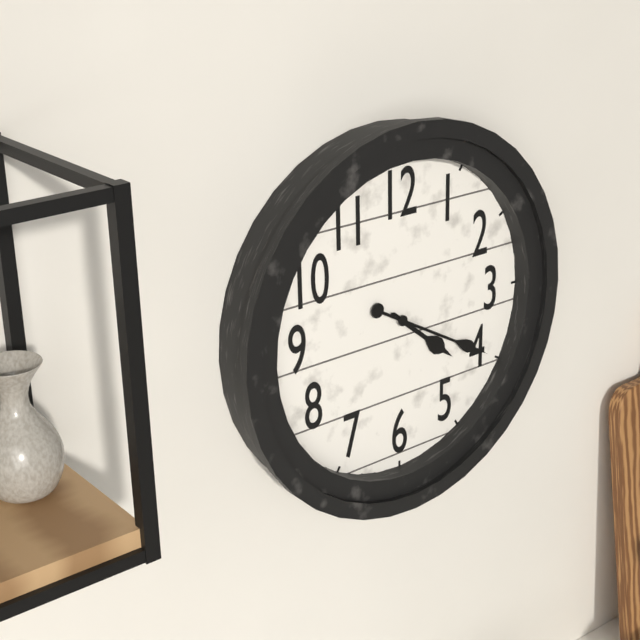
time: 4:20
